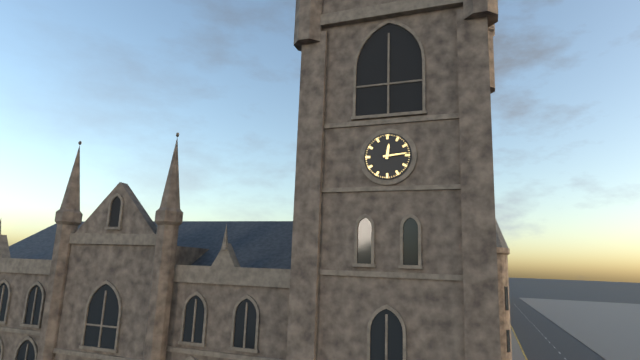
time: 12:14
